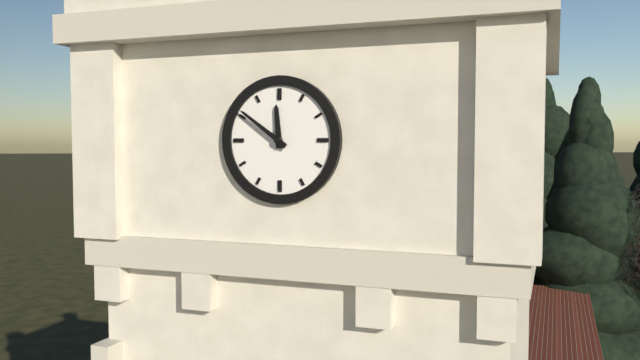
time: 11:51
